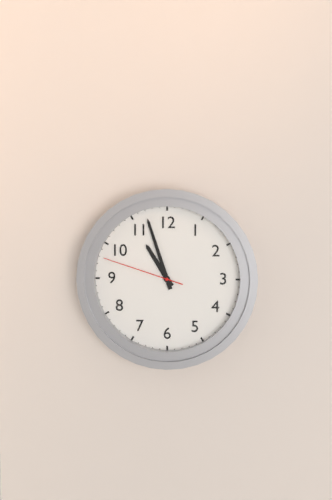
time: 10:57:48
